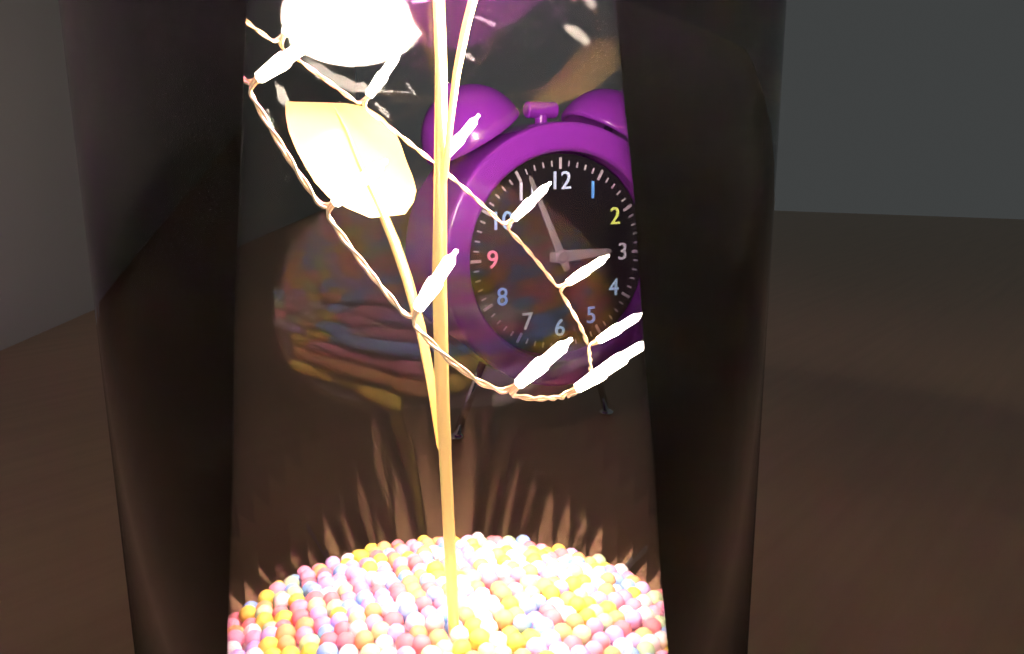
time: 2:56
